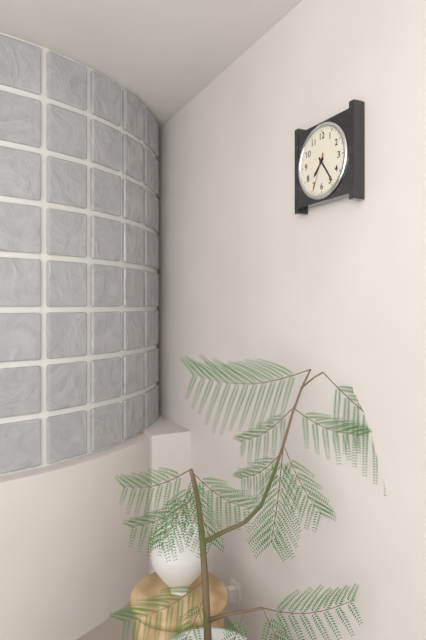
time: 7:24
